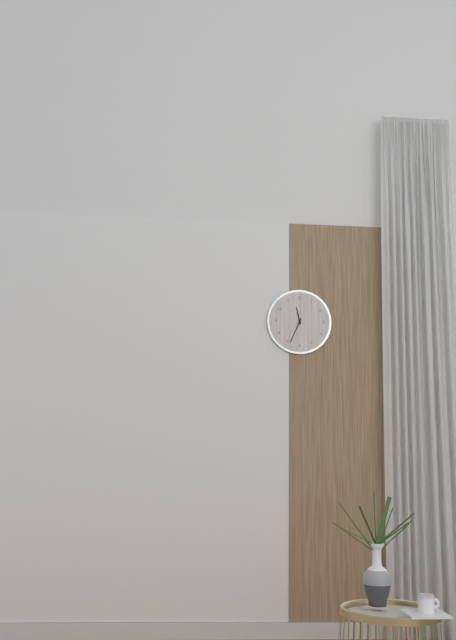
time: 11:34
